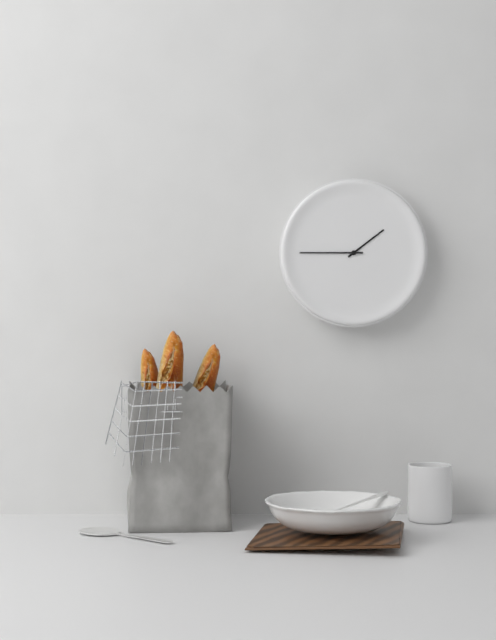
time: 1:45
